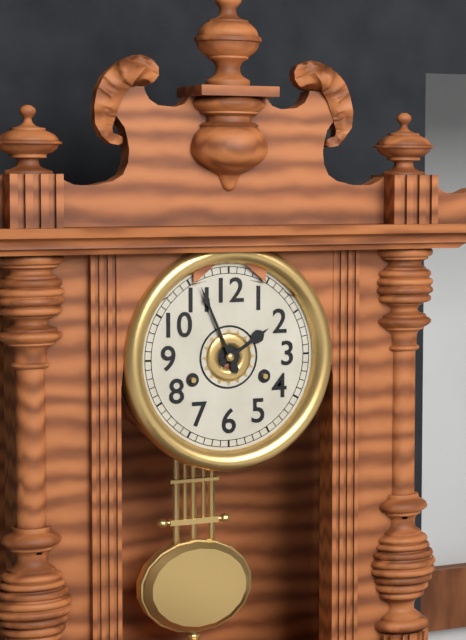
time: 1:56
